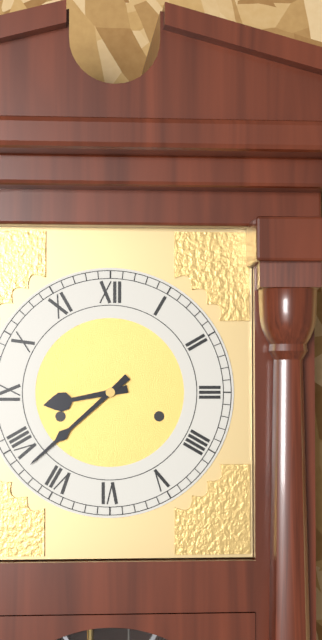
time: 8:38
